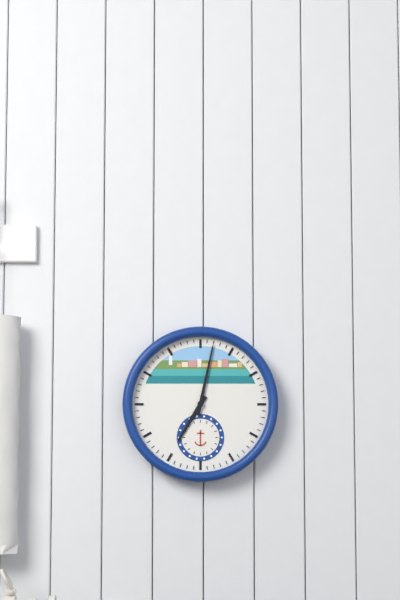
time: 7:02
